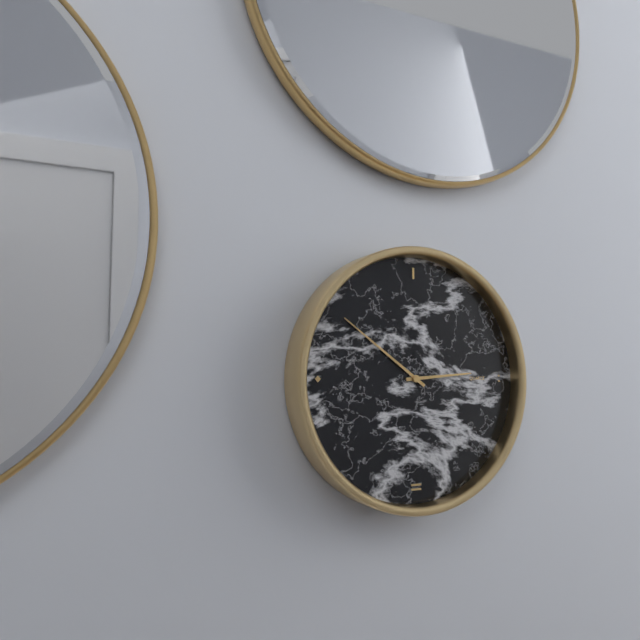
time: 2:51
